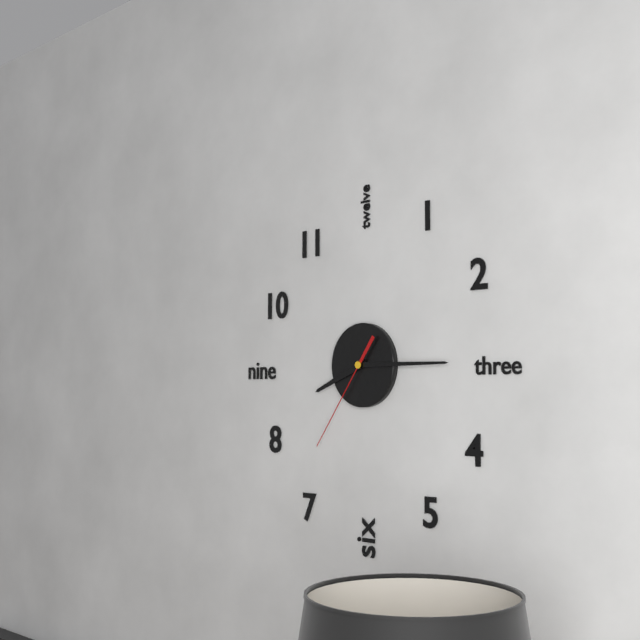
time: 8:15:36
